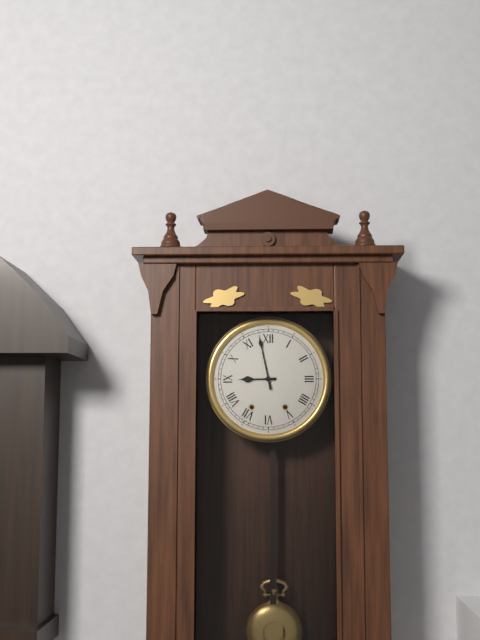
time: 8:58
